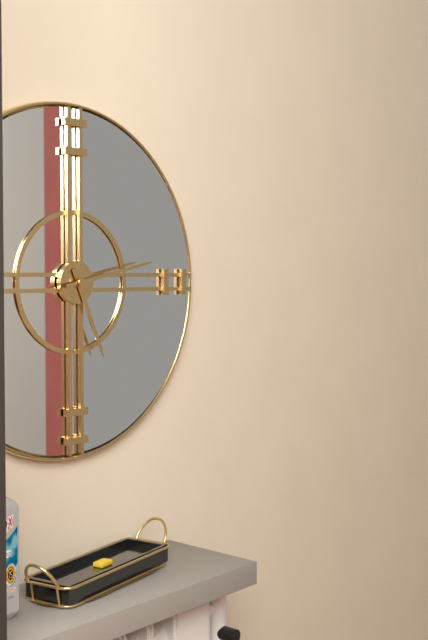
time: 5:13
